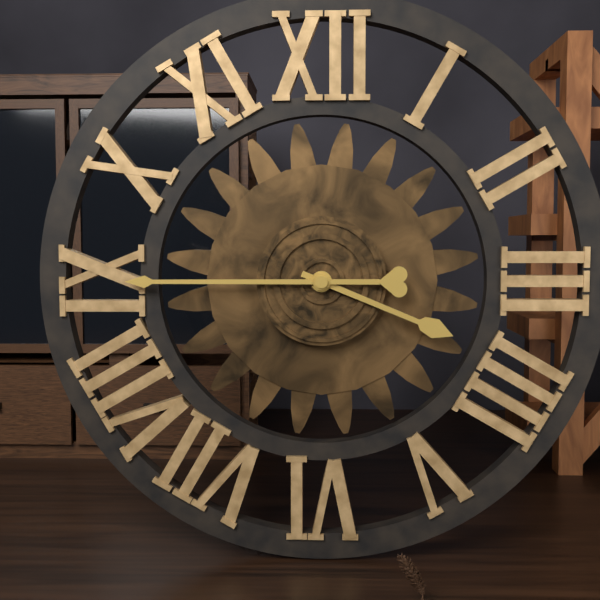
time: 3:45
